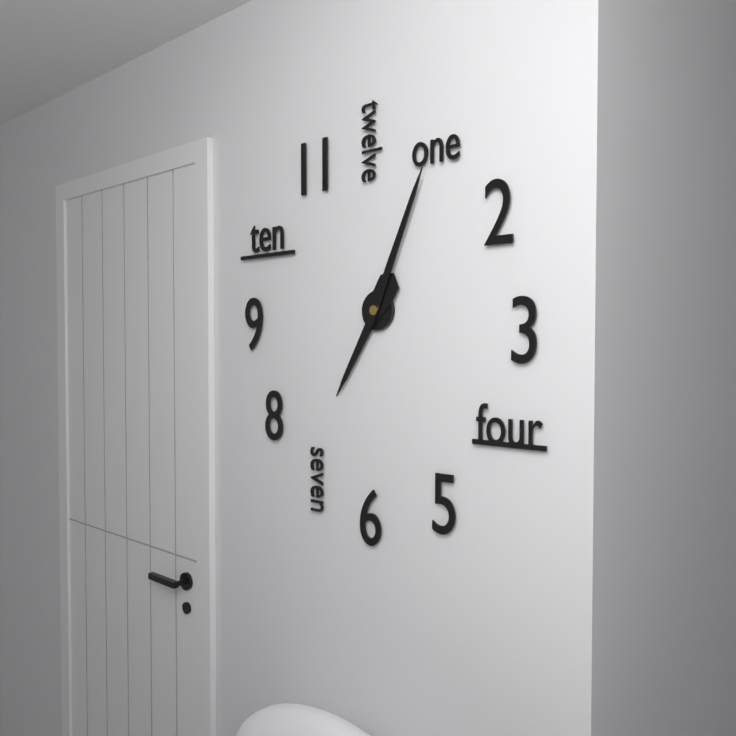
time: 7:04
